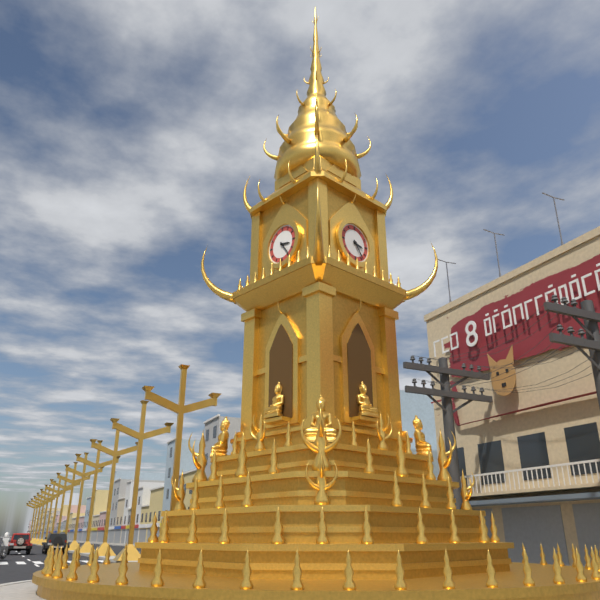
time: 3:24
